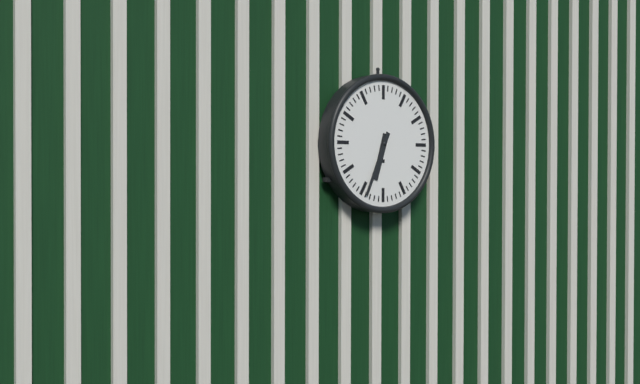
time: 6:34
